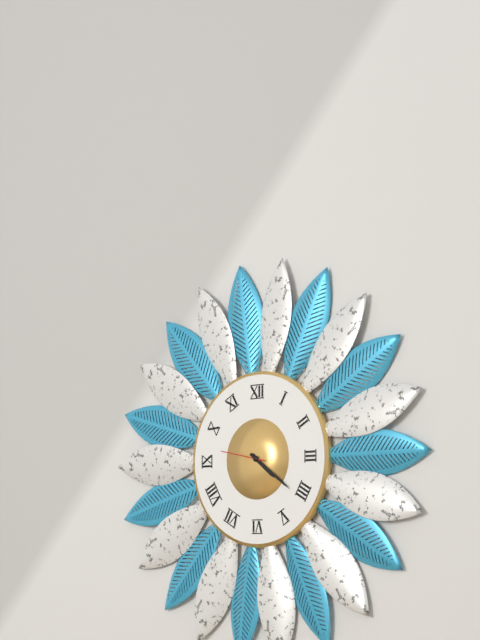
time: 4:21:47
